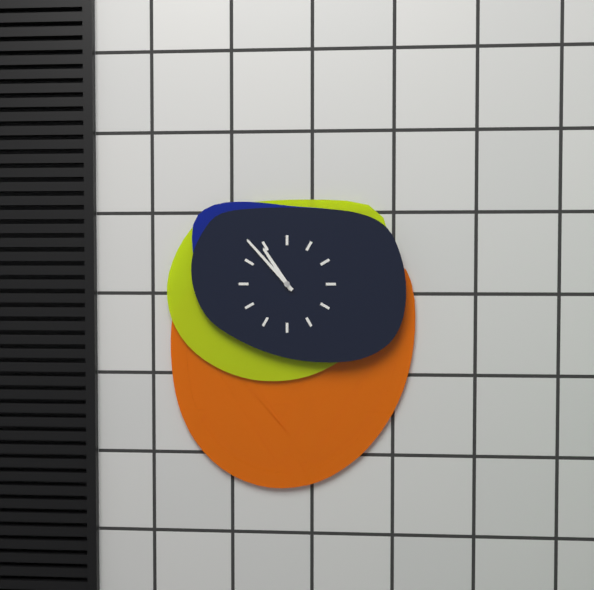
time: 10:53
